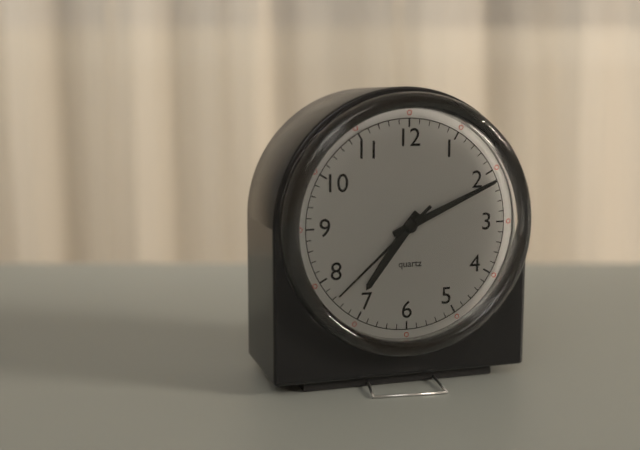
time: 7:11:38
